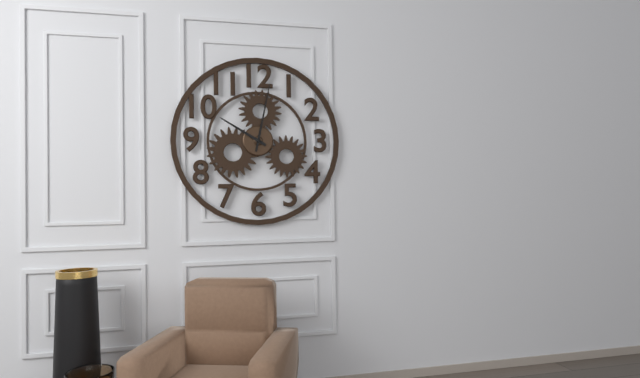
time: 10:02
